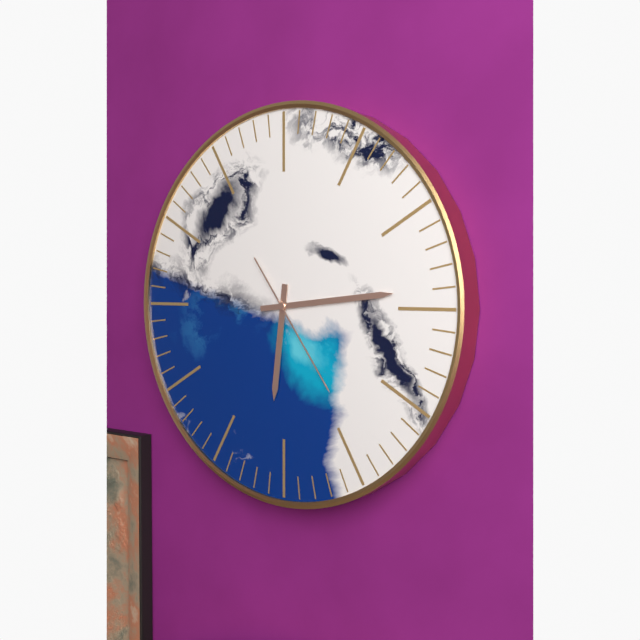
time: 6:14:24
